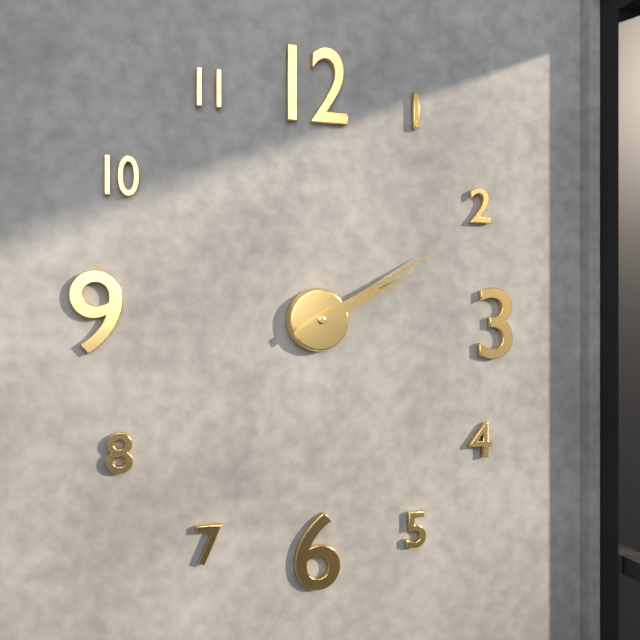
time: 2:10
